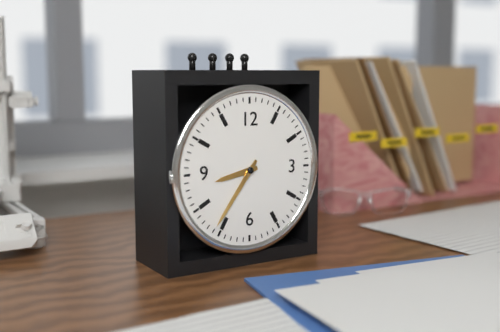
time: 8:36
